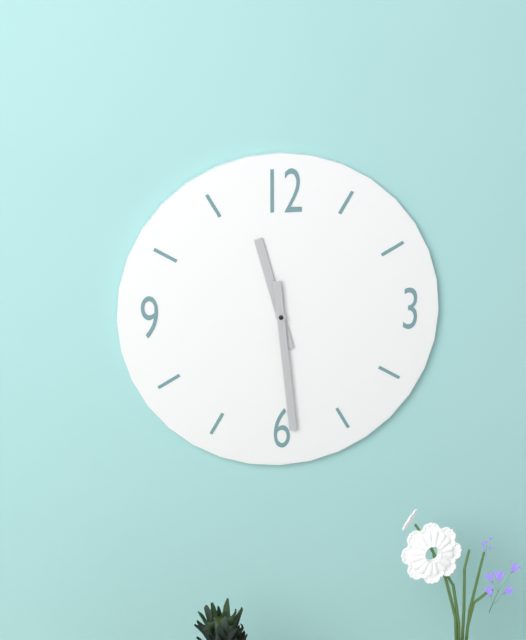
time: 11:29
